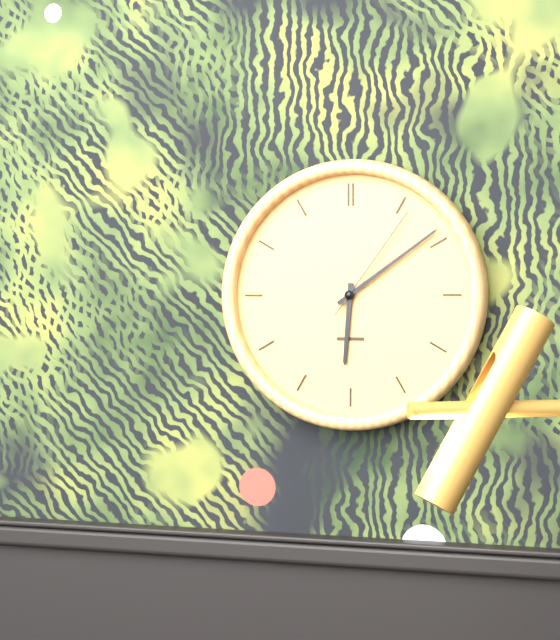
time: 6:09:06
